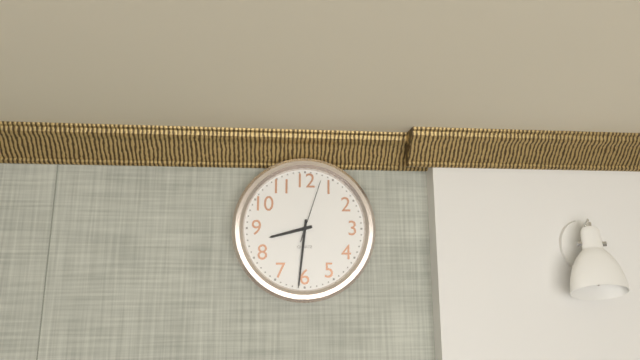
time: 8:31:03
